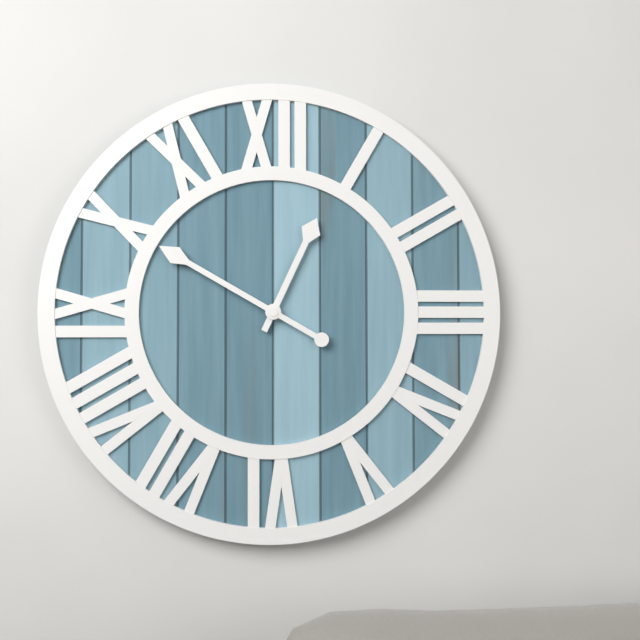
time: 12:50
